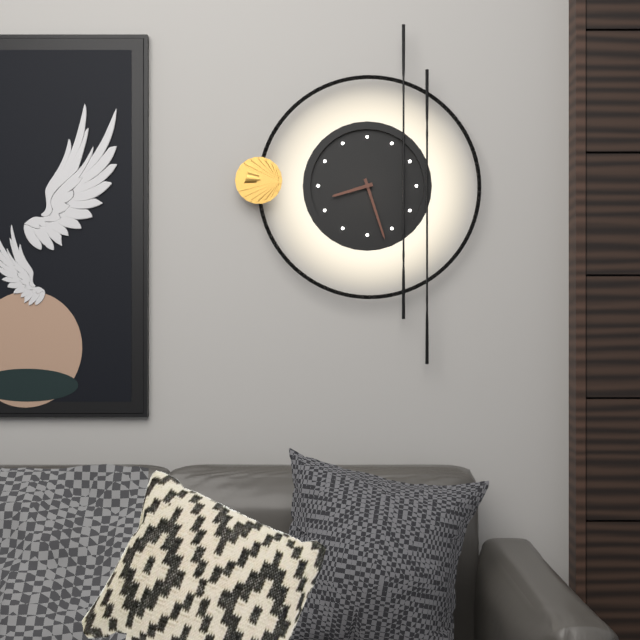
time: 8:27
